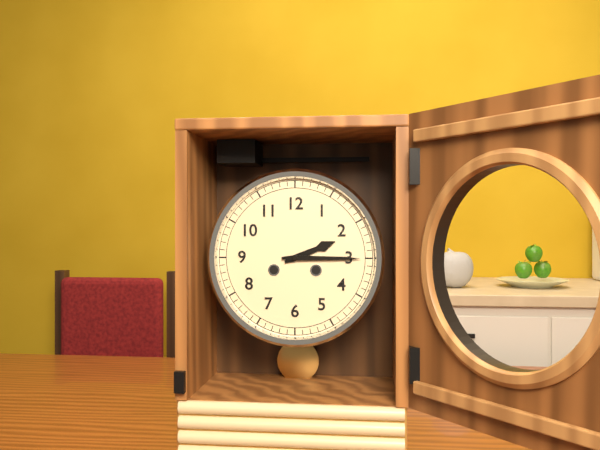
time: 2:15
